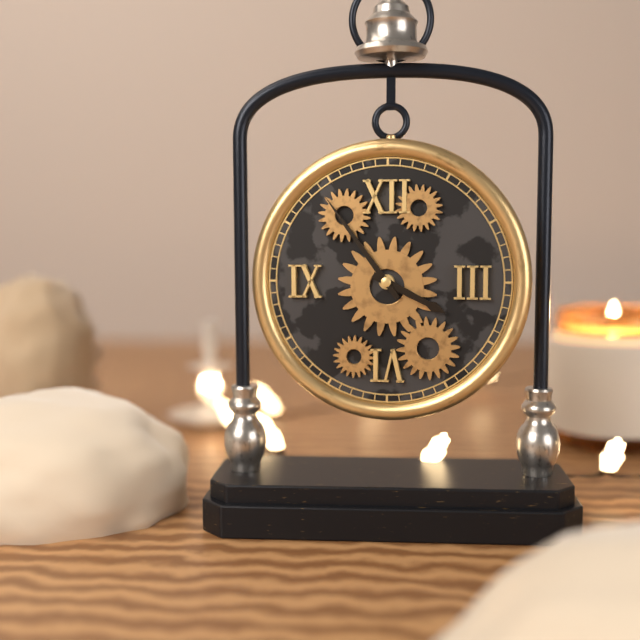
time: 3:54
